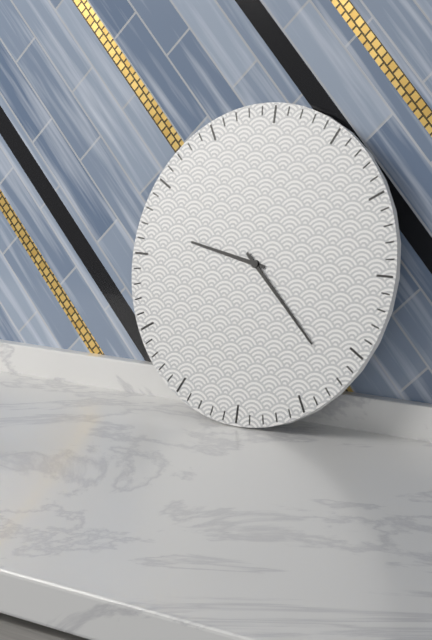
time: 9:22
